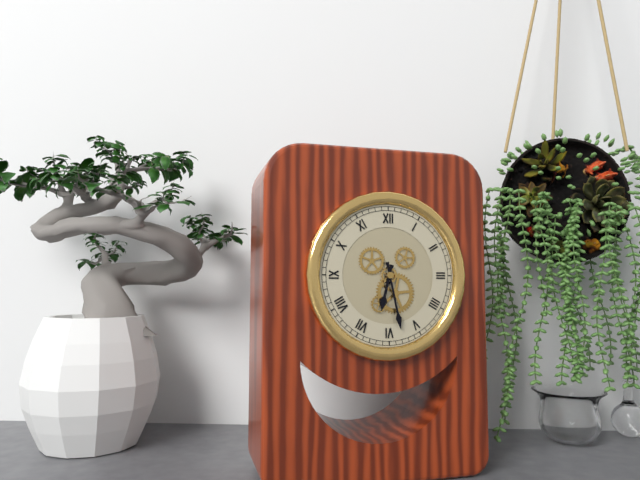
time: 6:28
